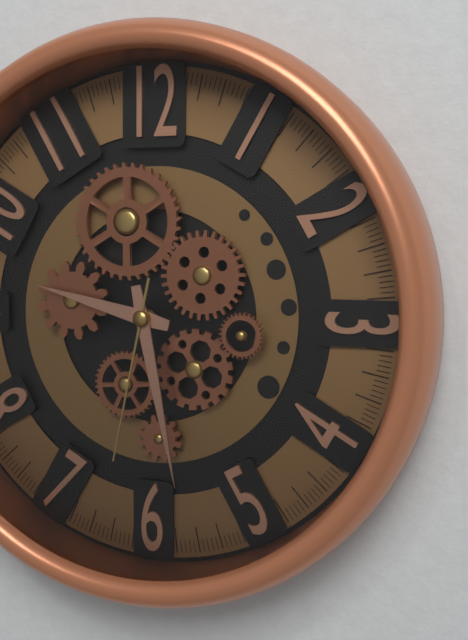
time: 9:28:32
